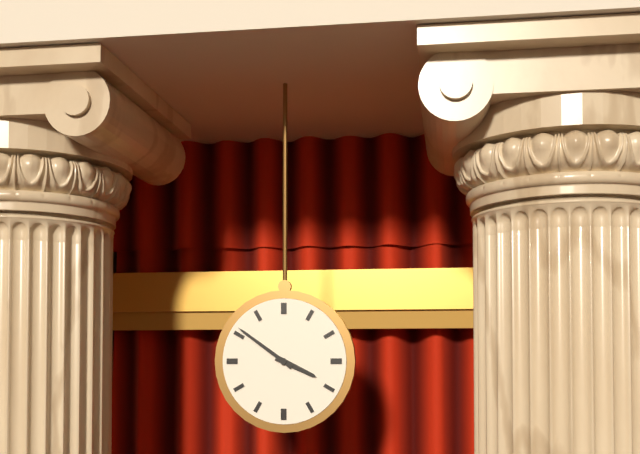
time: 3:51
